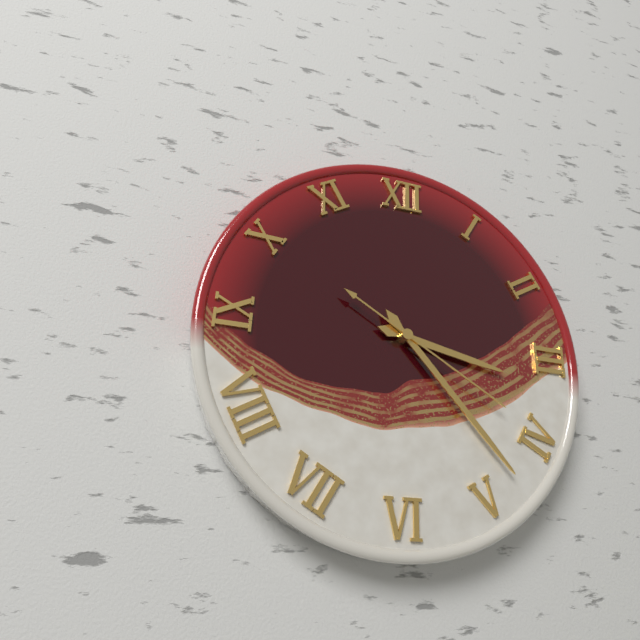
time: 3:23:20
